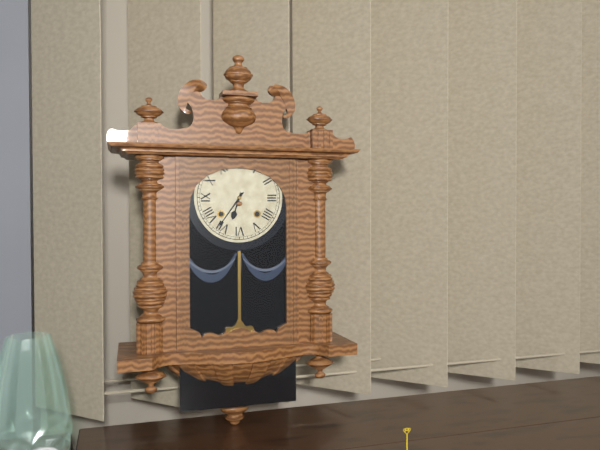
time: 6:36
